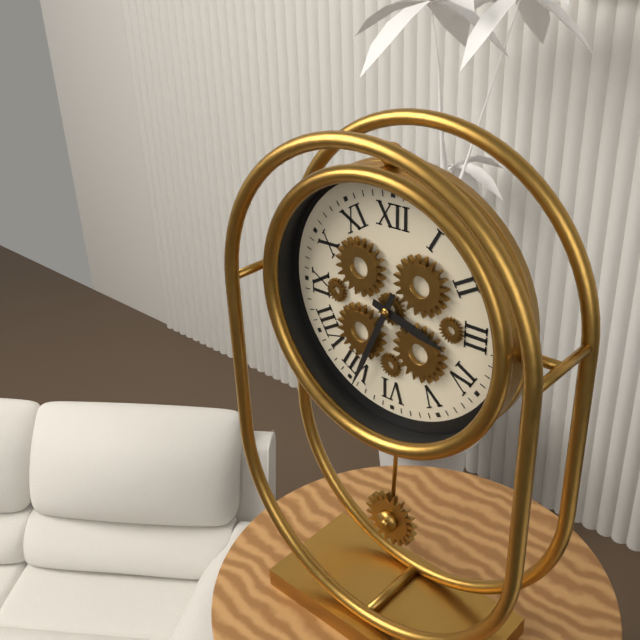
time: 3:34
